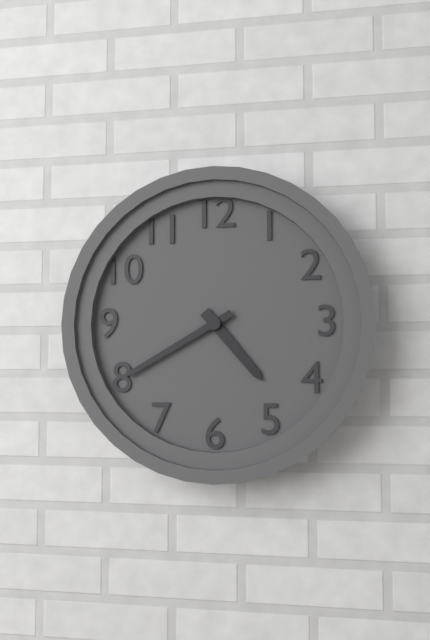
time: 4:40
